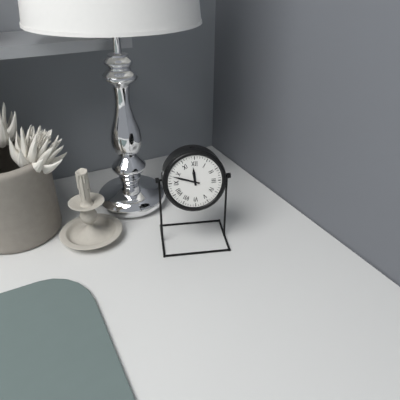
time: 11:48
